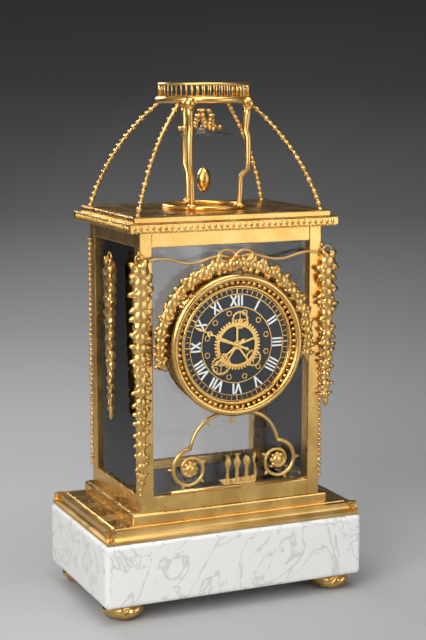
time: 7:49
